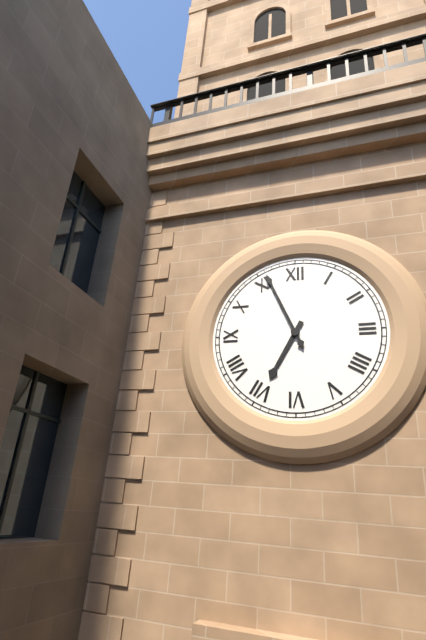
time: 6:56
